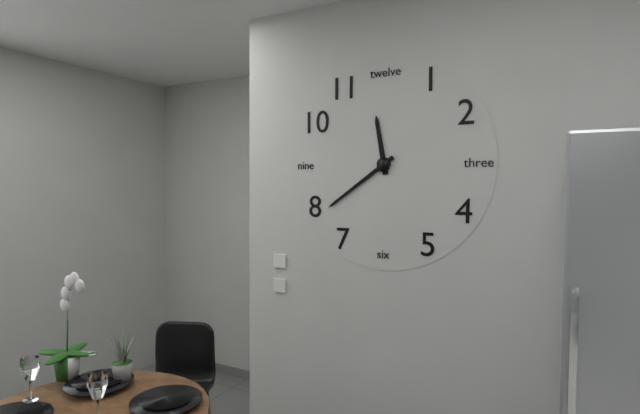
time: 11:39
